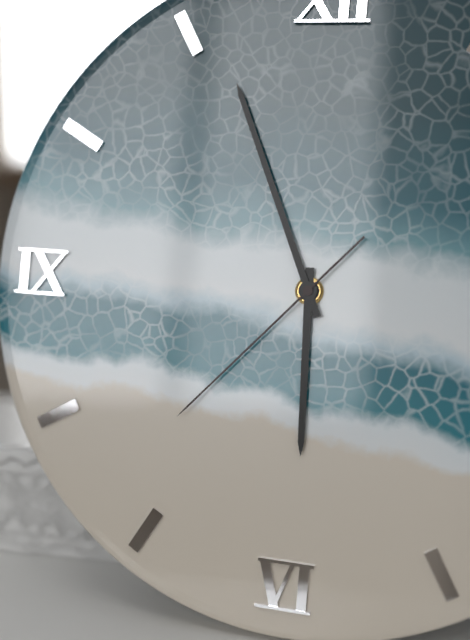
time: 5:56:37
